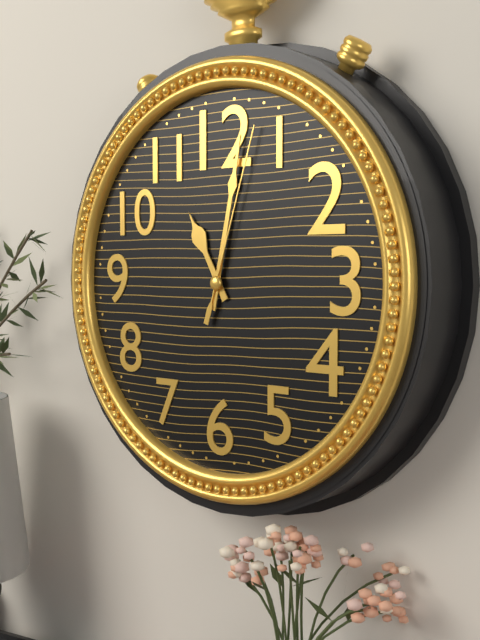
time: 11:02:03
